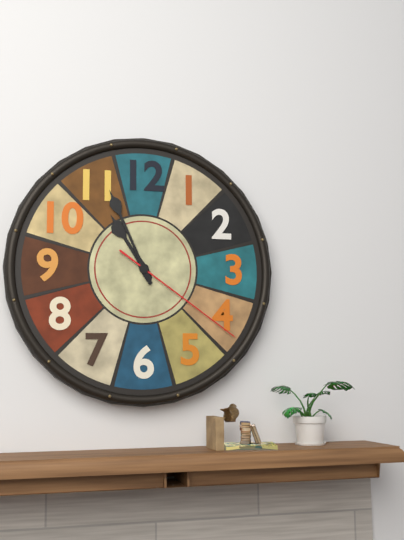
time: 10:56:21
